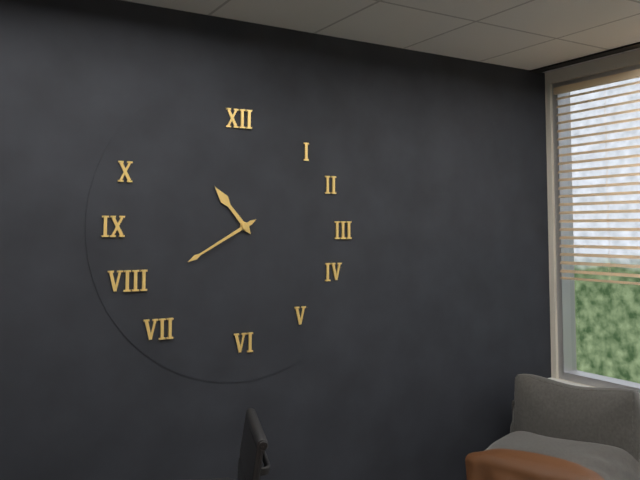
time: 10:40
